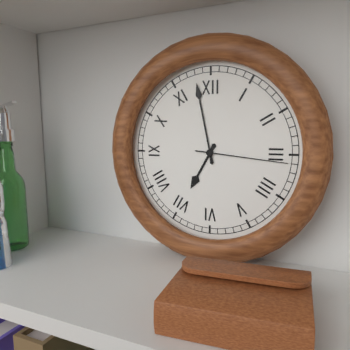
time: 6:58:16
